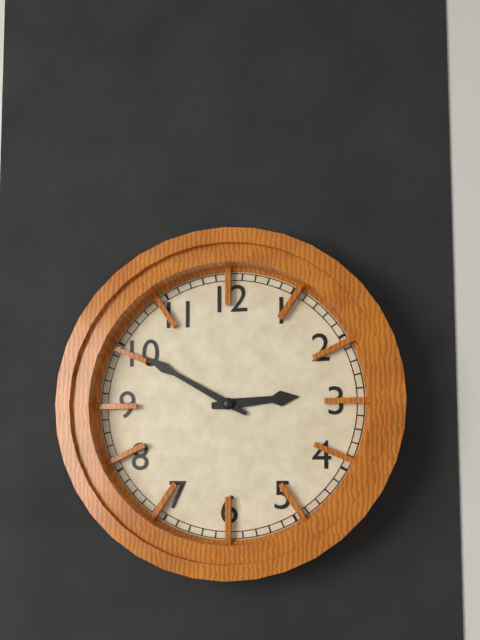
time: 2:50
